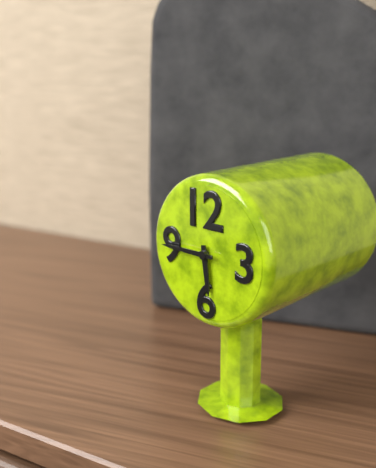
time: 5:45
